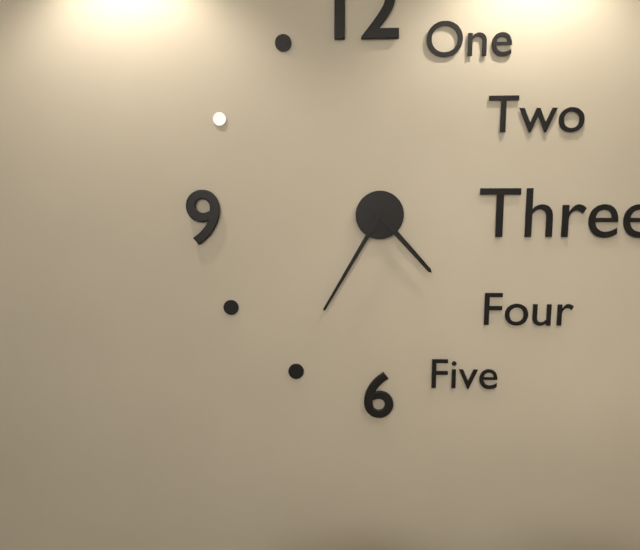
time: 4:35
